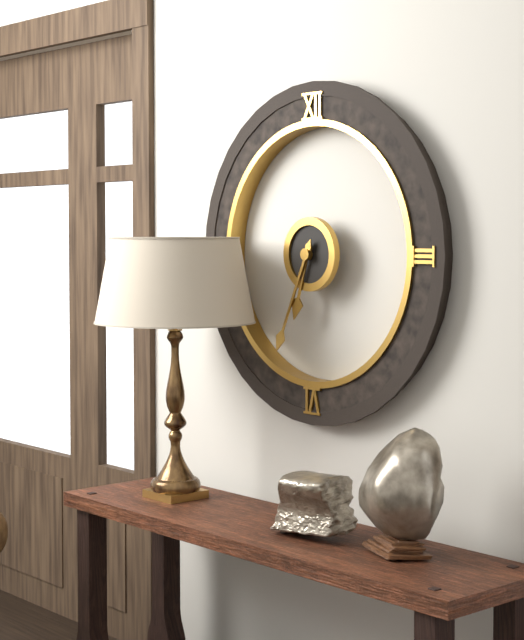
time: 6:34
